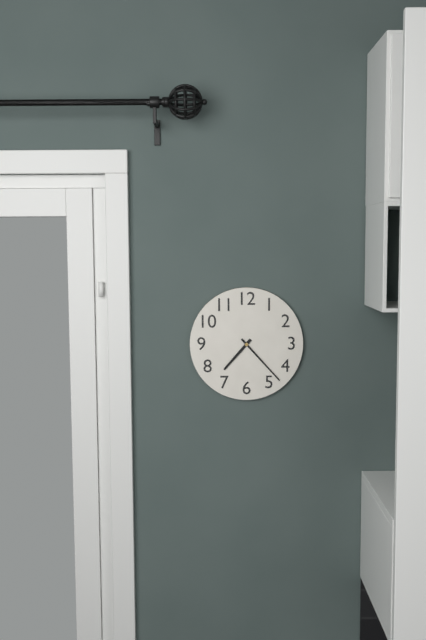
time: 7:23
